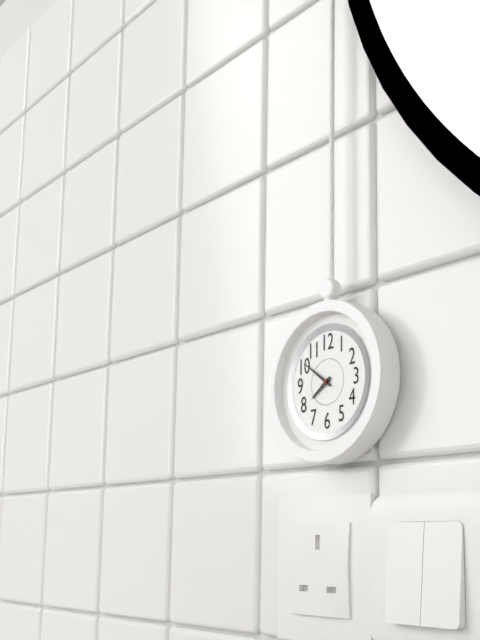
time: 7:51
